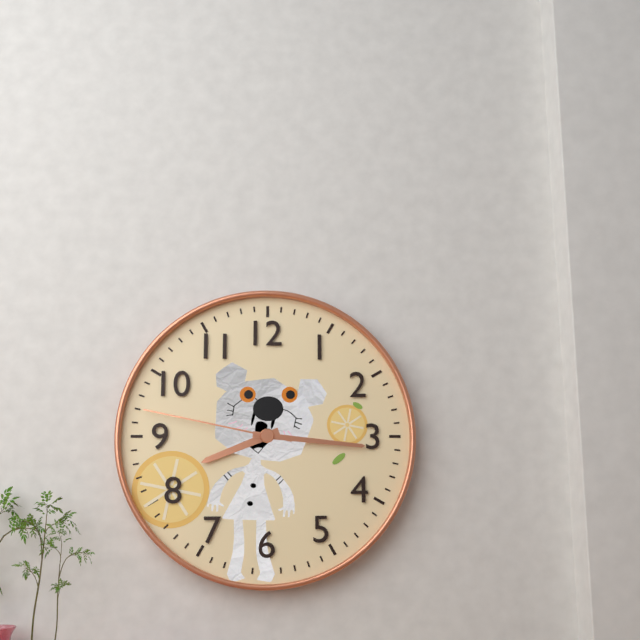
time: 8:16:47
